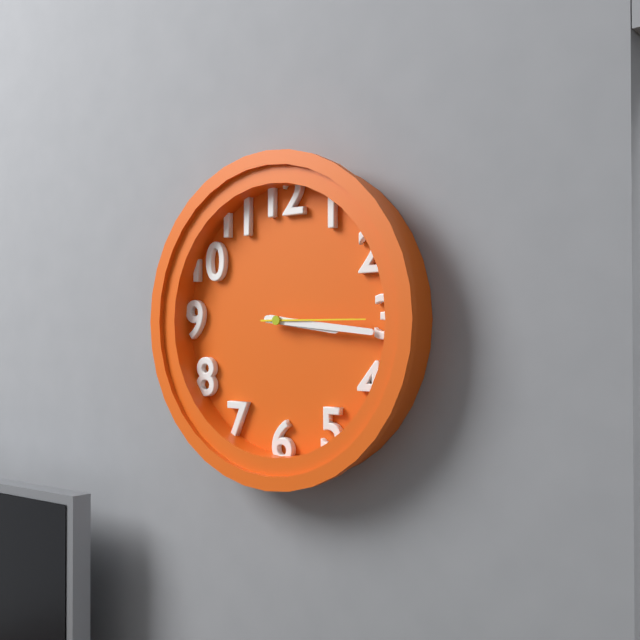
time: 3:16:15
